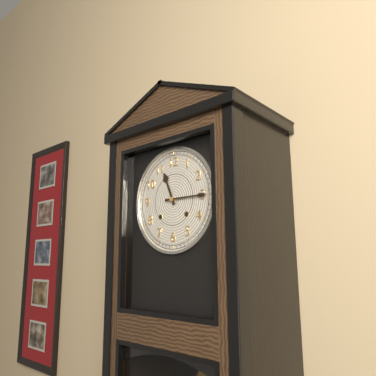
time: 11:15
